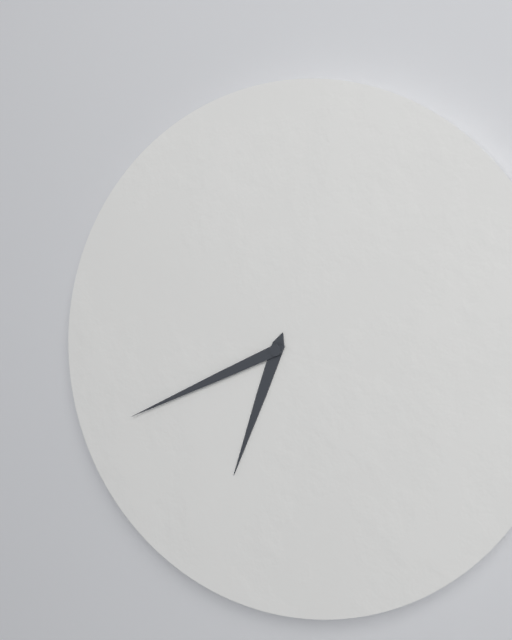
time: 6:41
